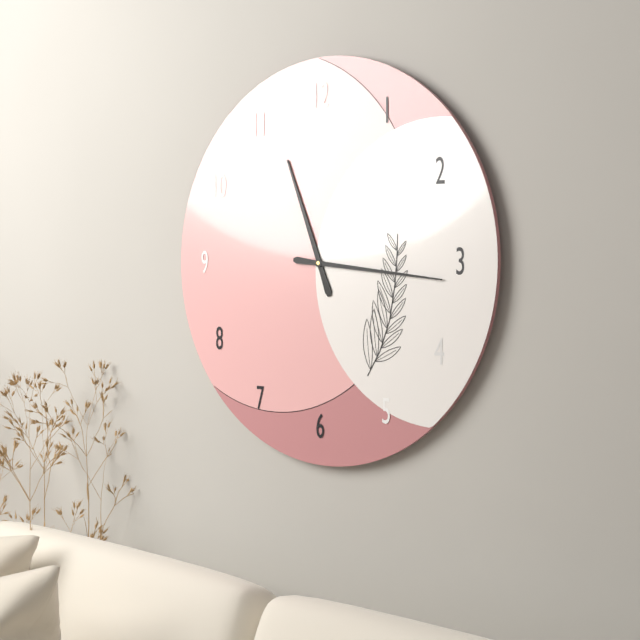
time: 11:16
